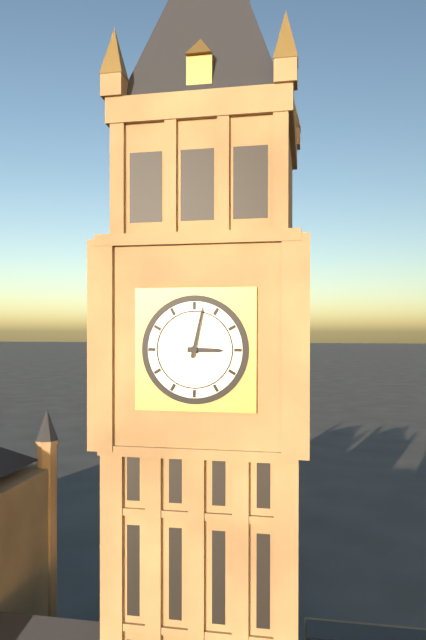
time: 3:02
